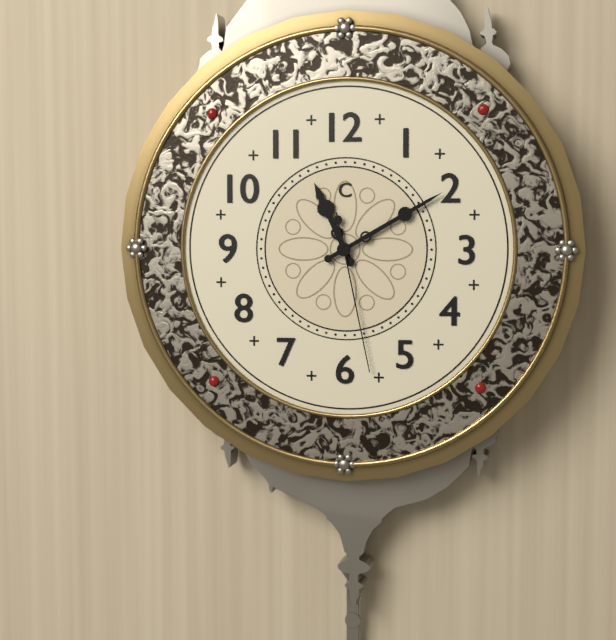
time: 11:10:28
